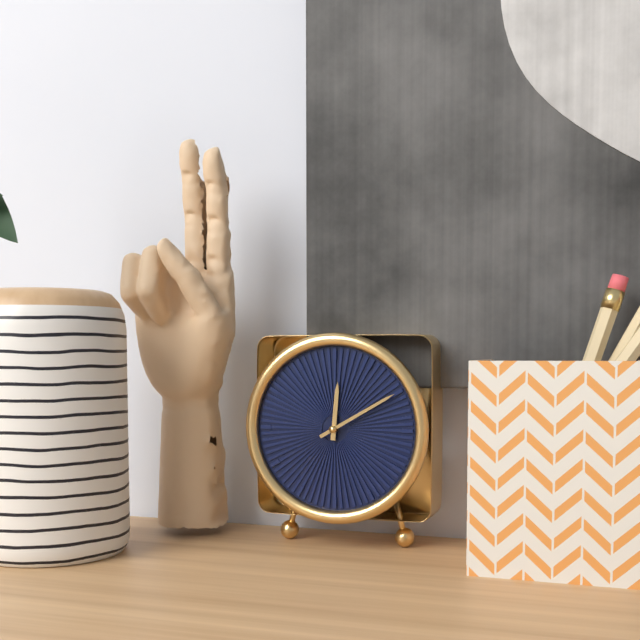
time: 12:10
